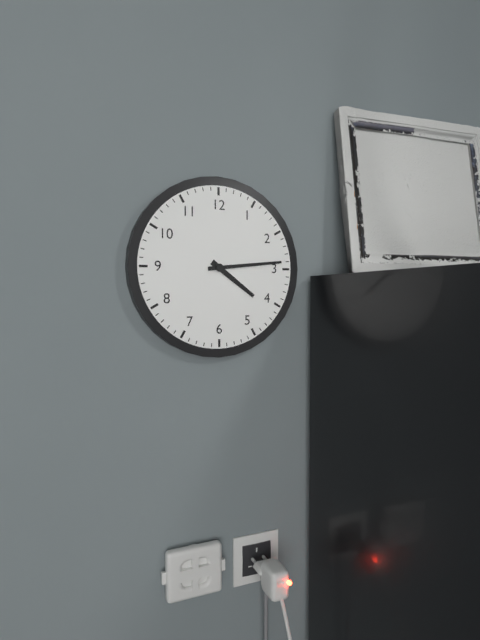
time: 4:14
